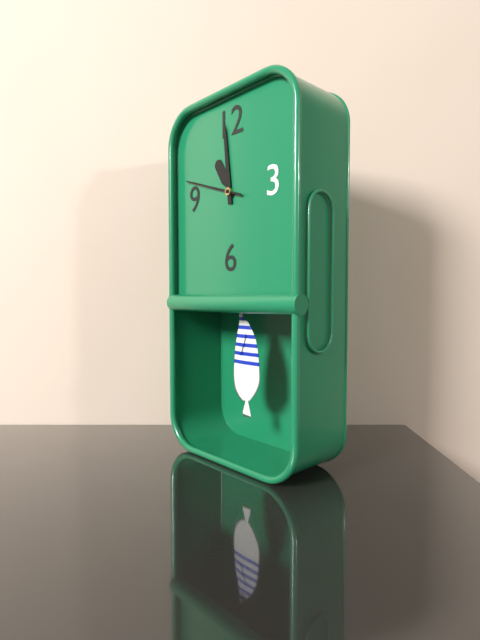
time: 10:59:48
